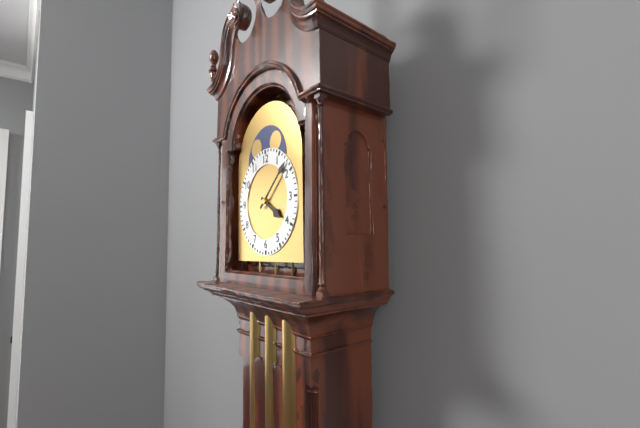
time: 4:08
